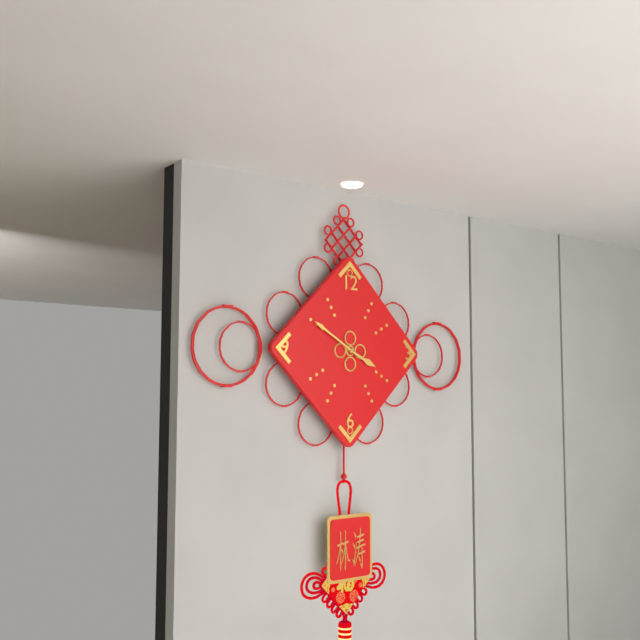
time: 3:50
